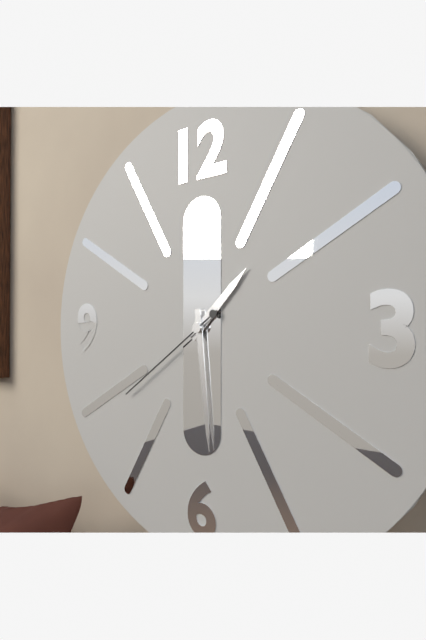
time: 1:29:39
